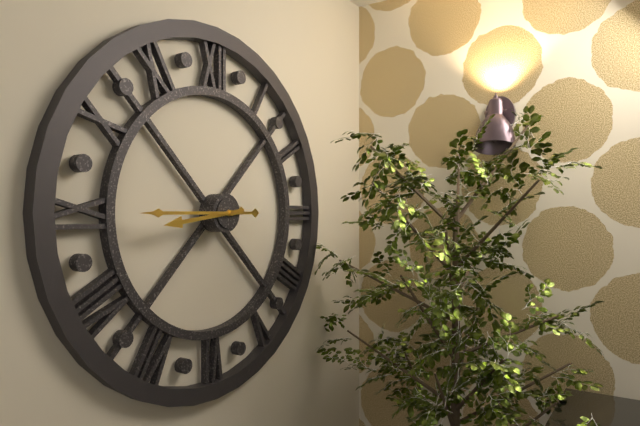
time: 8:45
